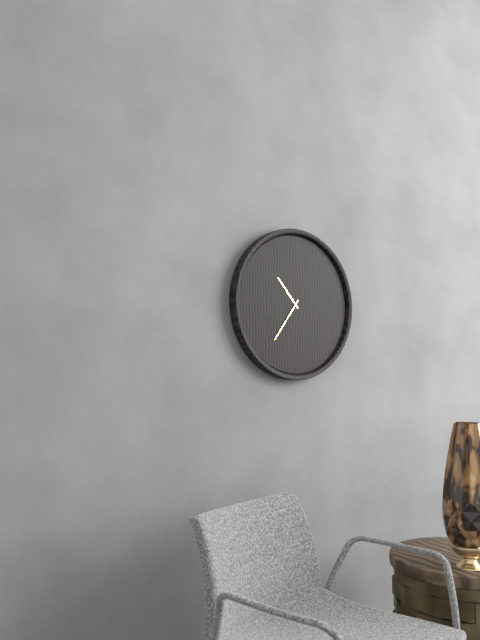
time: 10:36
